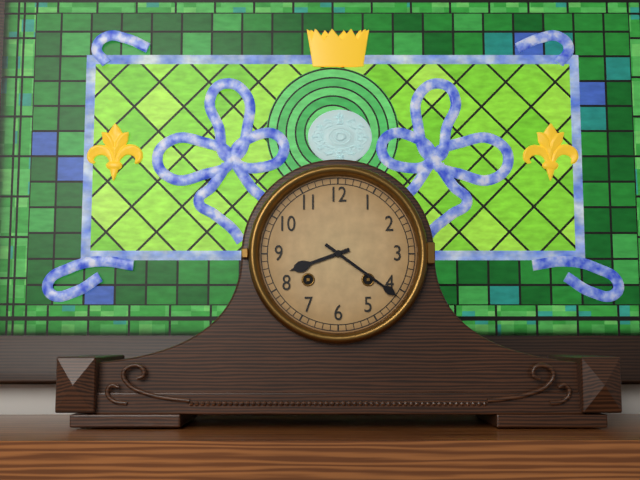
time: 8:21
